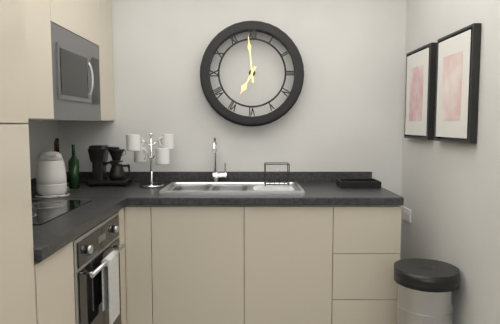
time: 6:59
